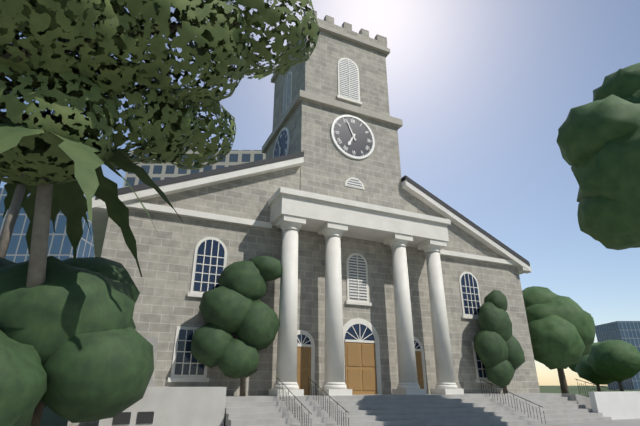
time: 6:56
